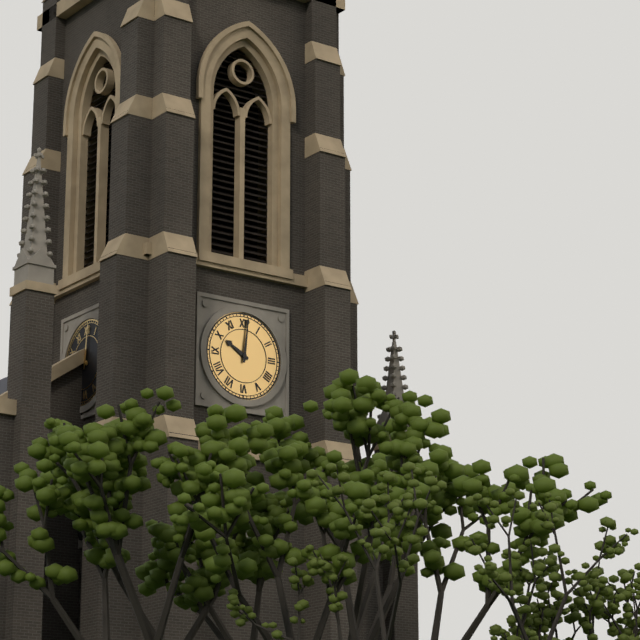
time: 10:01
